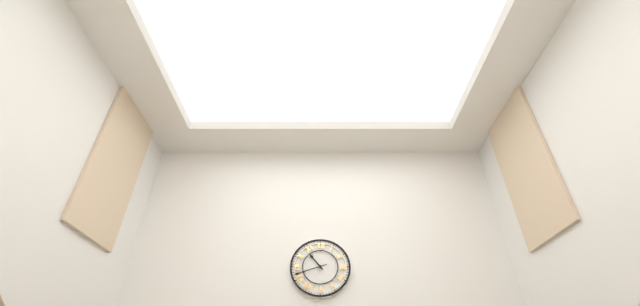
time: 10:42
